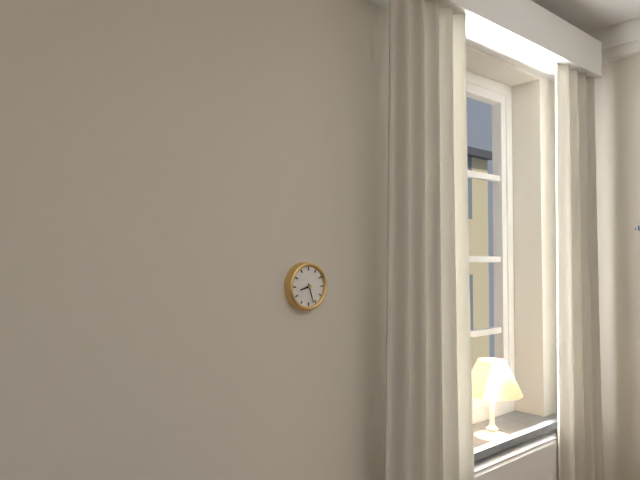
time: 8:27
